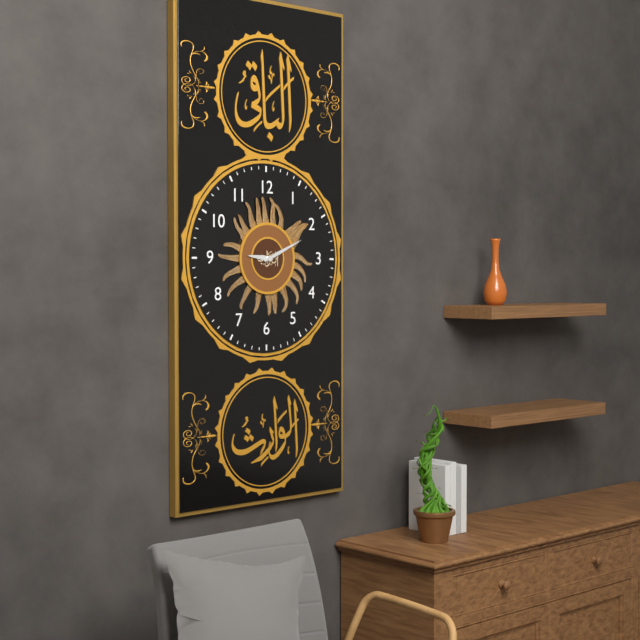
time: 9:11
